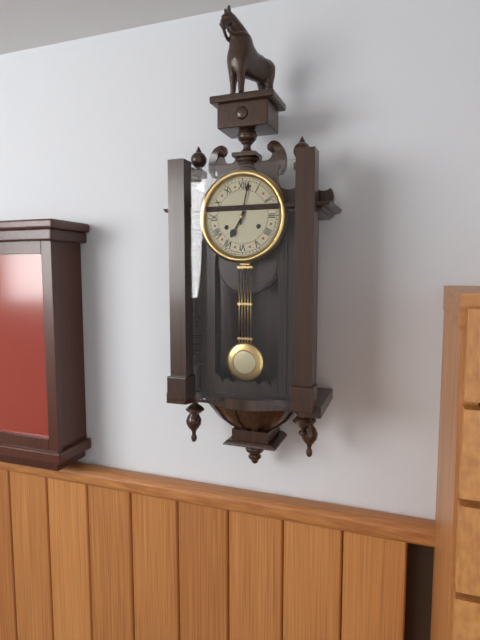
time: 7:02
